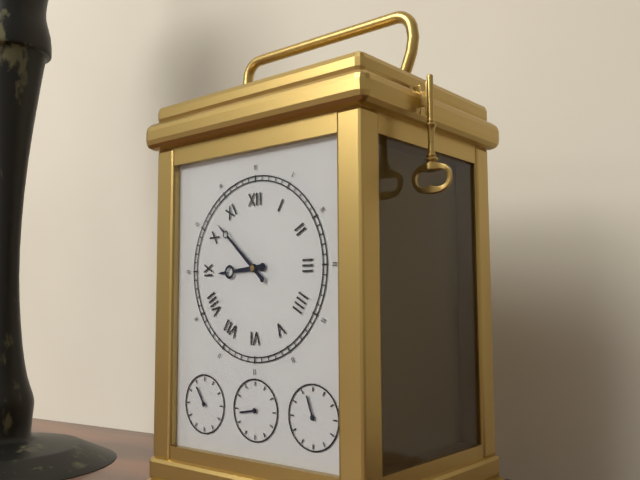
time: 8:52
